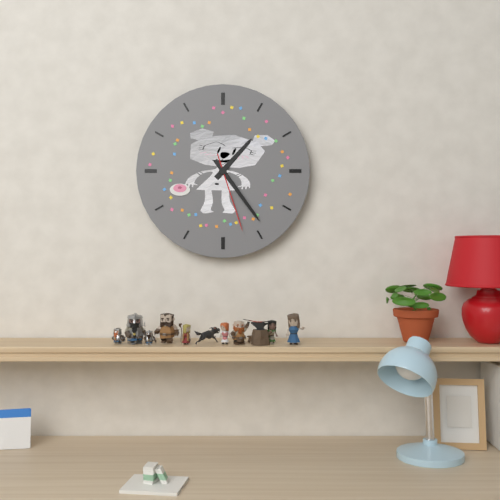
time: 1:24:27
